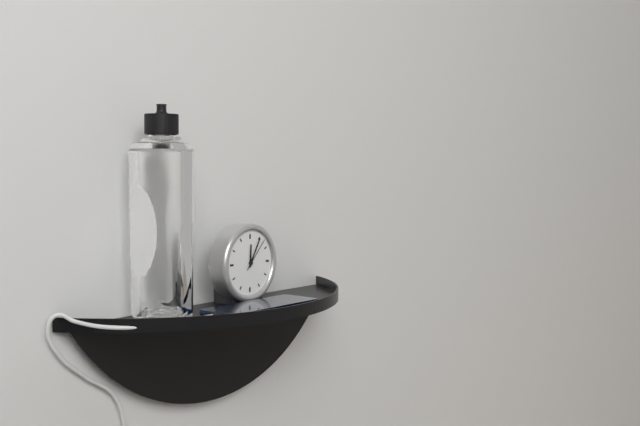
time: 12:05
